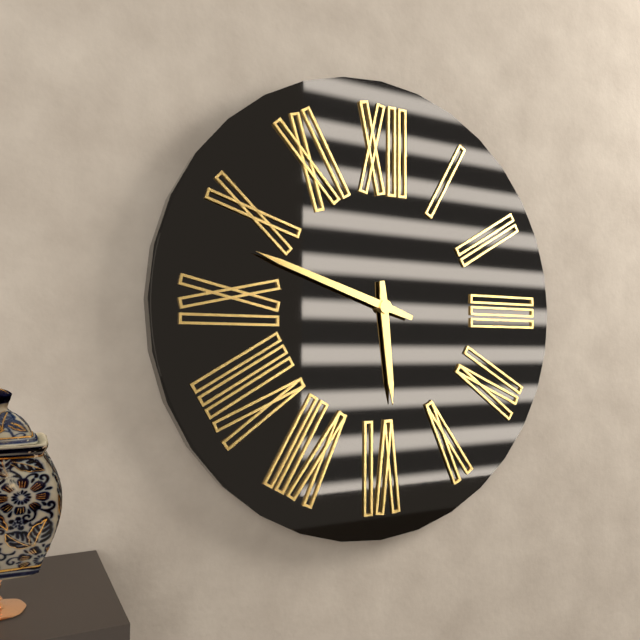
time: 5:48
